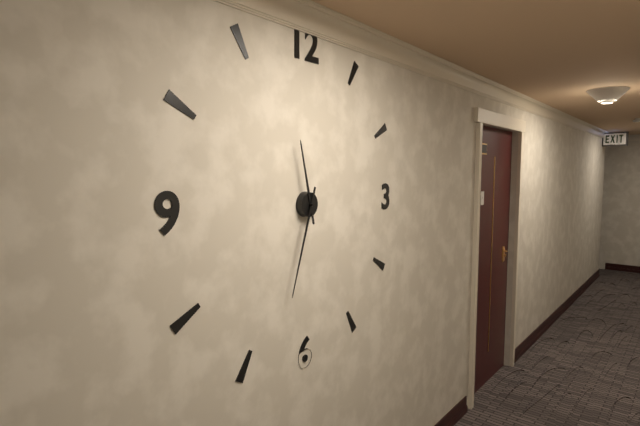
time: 11:33
